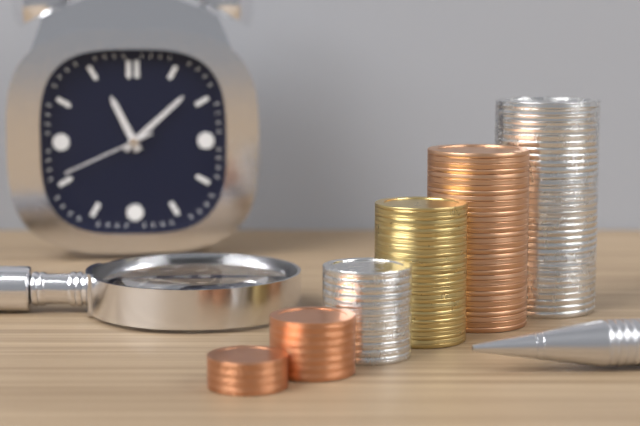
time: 11:08:41
